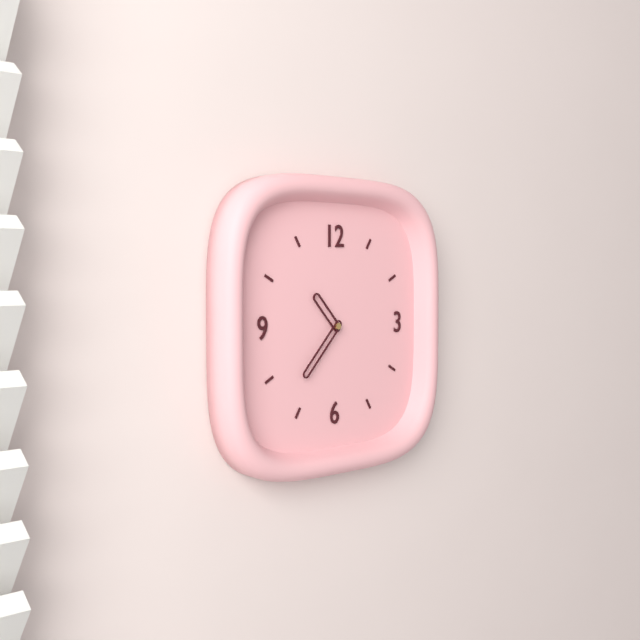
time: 10:37
